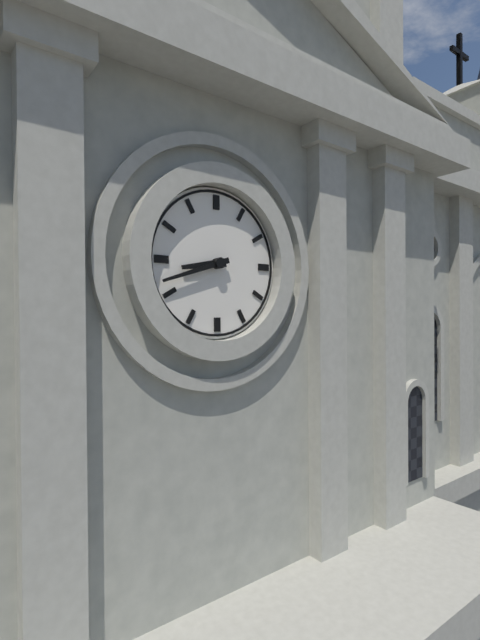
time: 8:42
